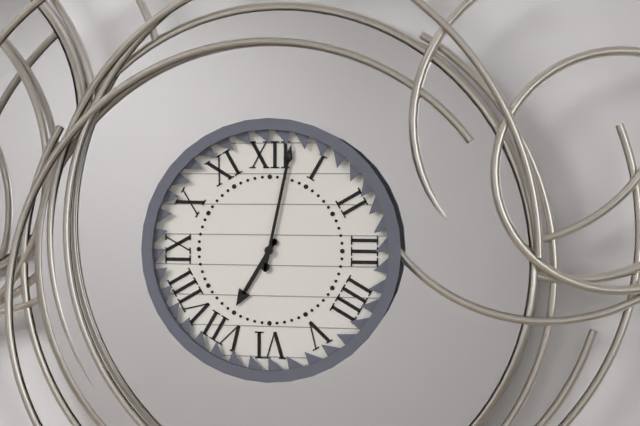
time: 7:02
